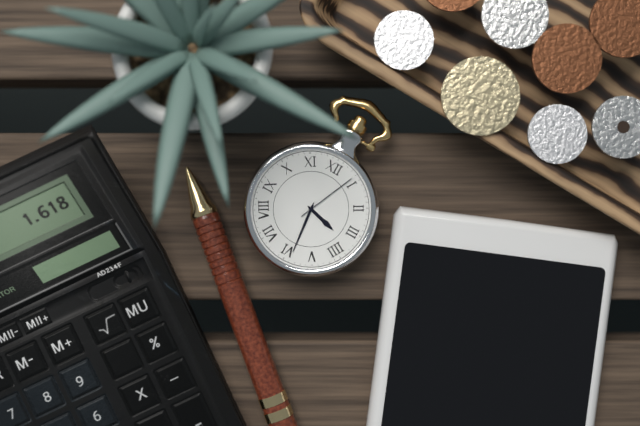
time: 3:29:04
